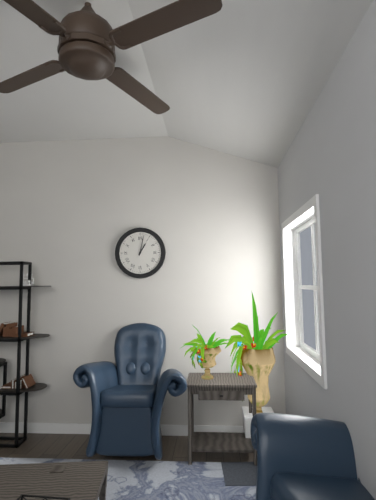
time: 1:02
